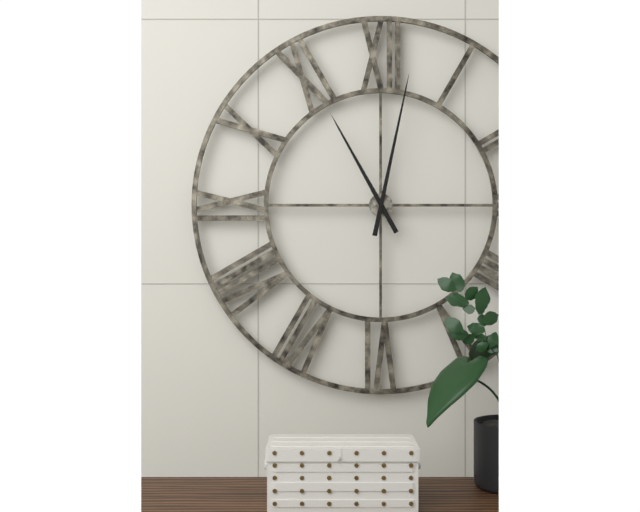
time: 11:02
